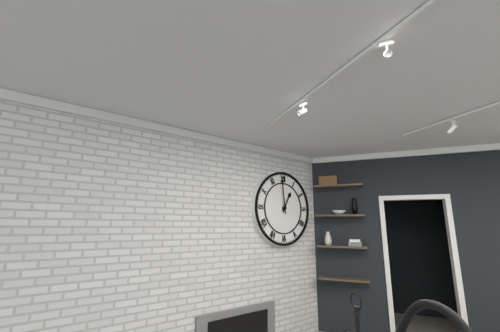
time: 12:59
